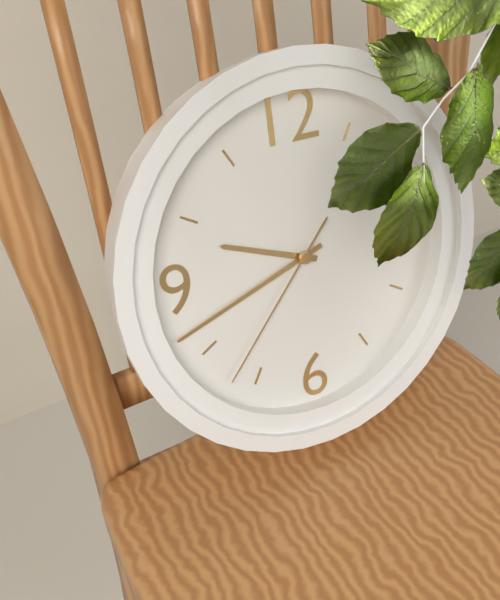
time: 9:42:37
